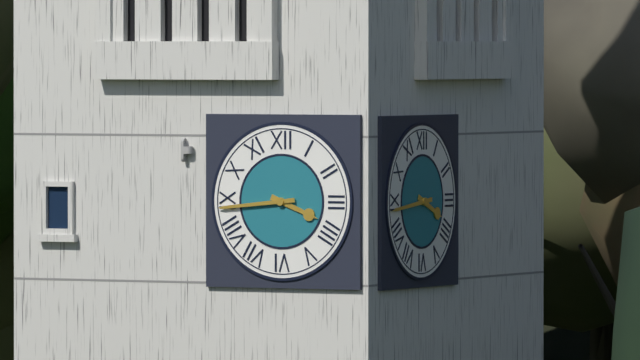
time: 3:44
